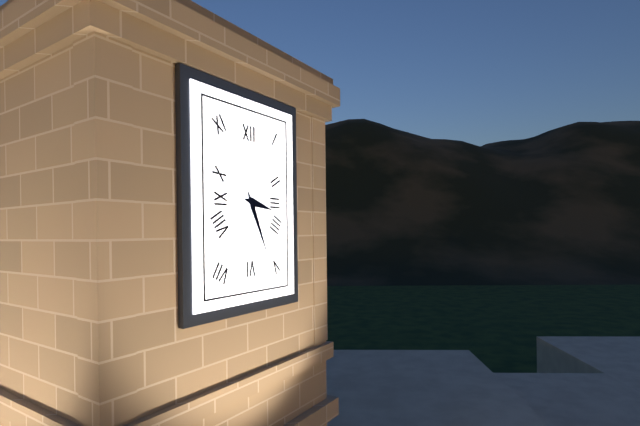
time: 3:26
